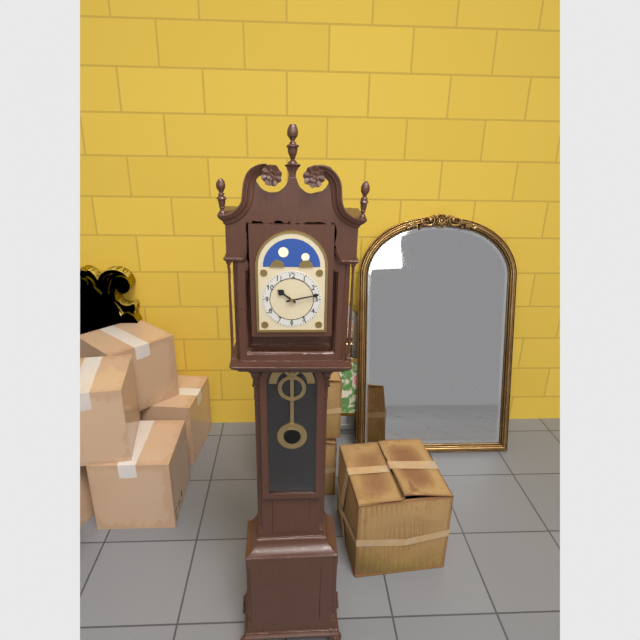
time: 10:13
